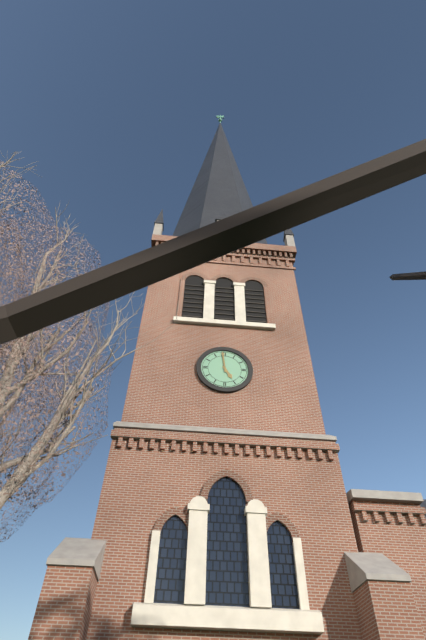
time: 4:59
